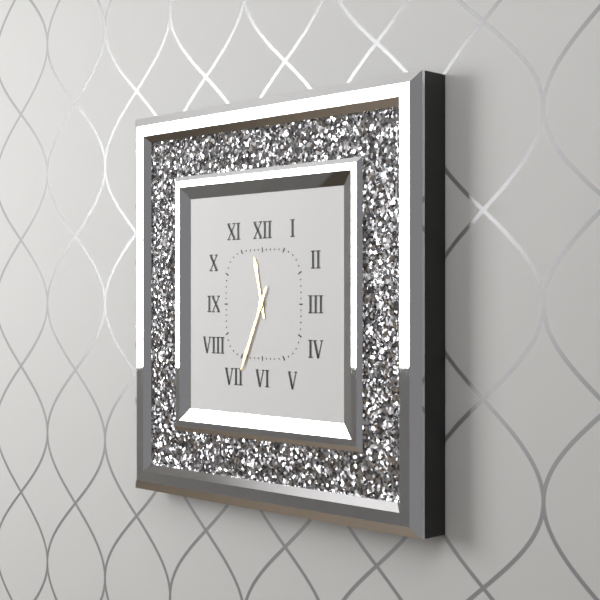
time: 11:34
